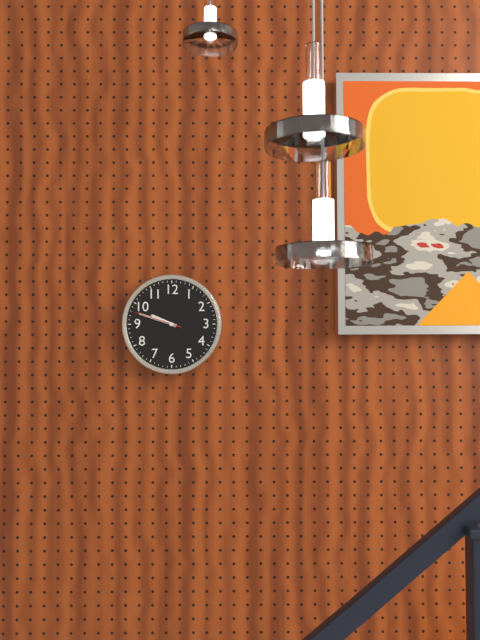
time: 9:48
